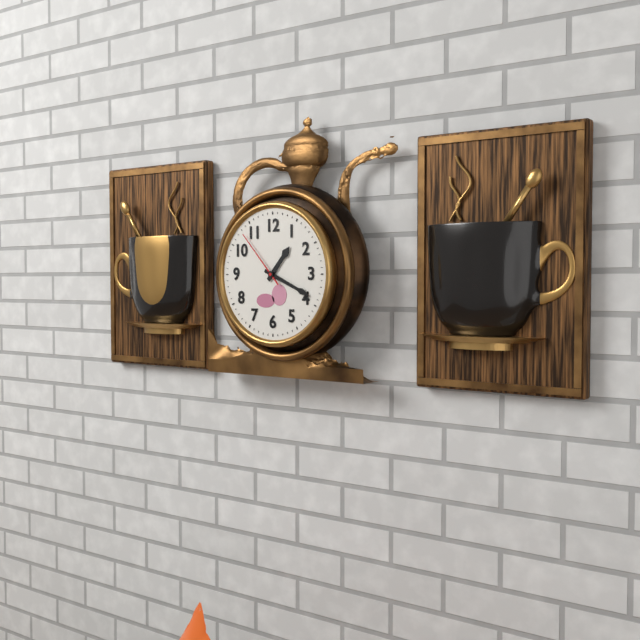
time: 1:19:53
